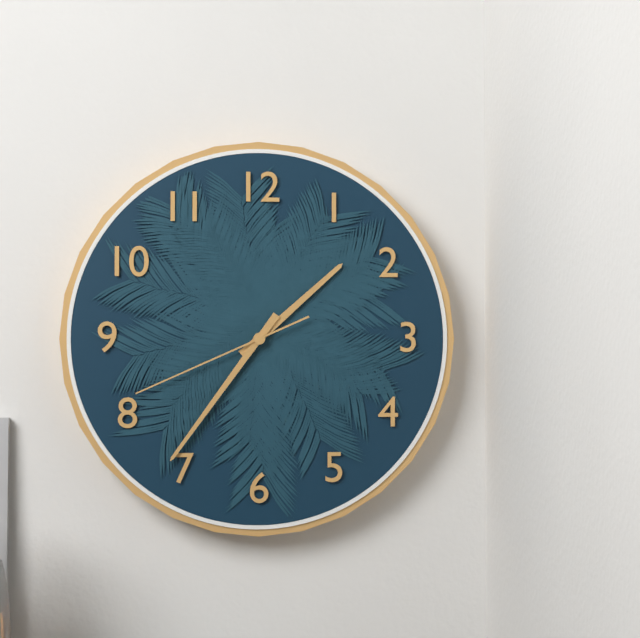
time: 1:36:41
